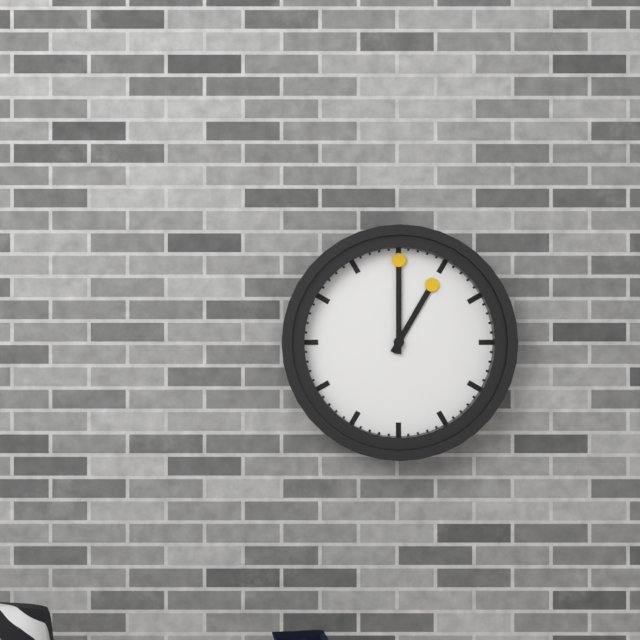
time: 1:00
